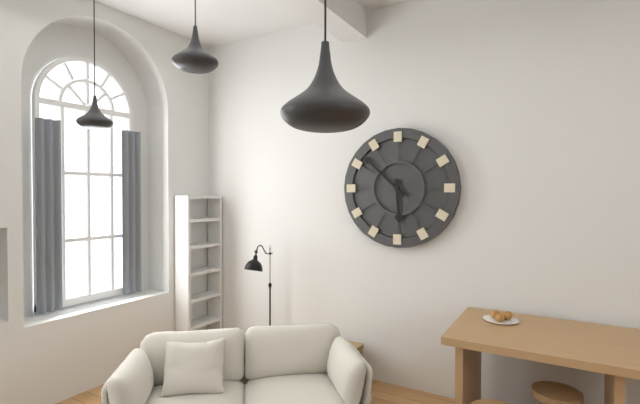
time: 5:52
